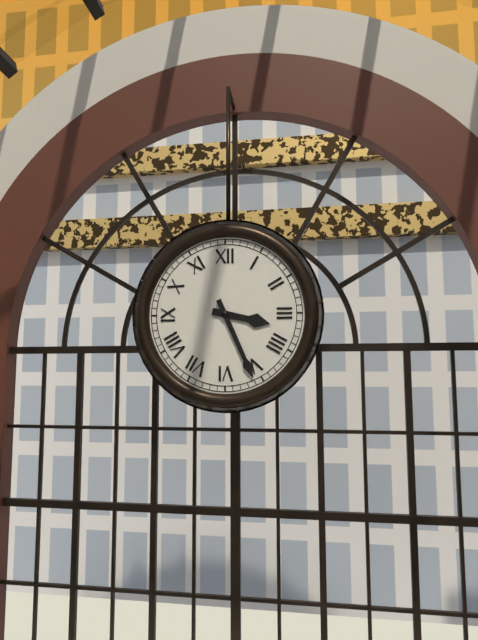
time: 3:26
